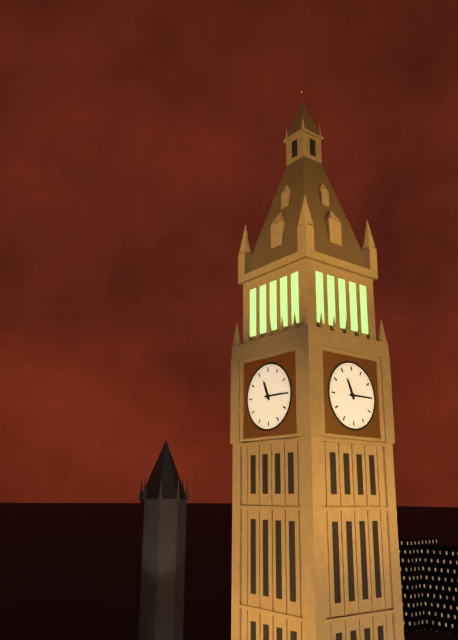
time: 11:15
